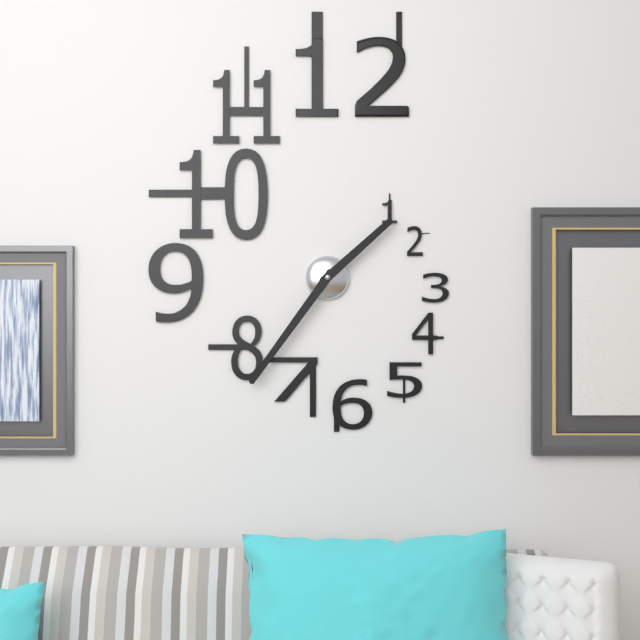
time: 1:36
